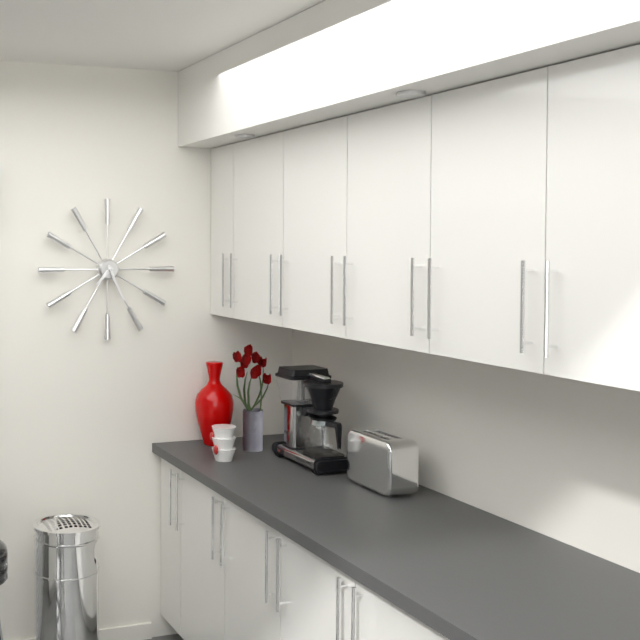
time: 7:26
